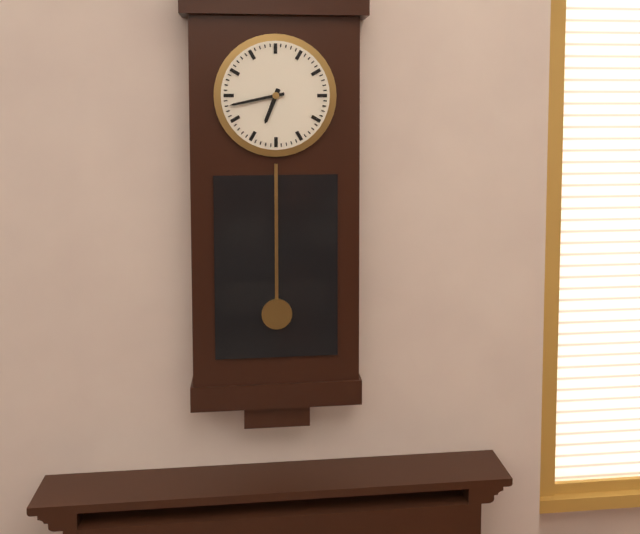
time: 6:43
